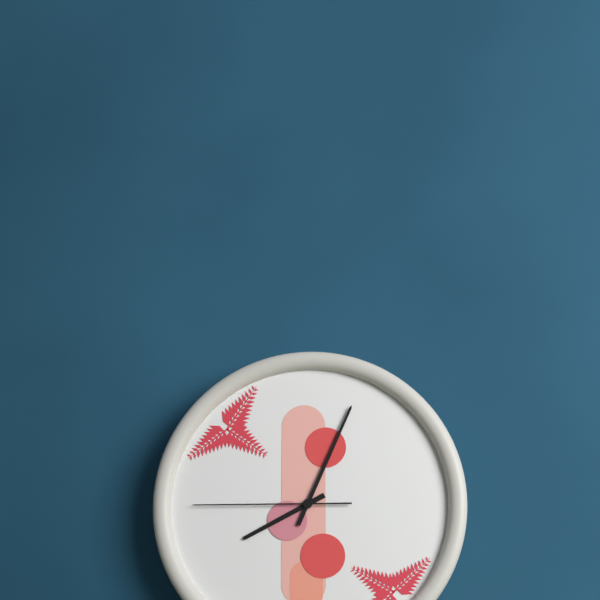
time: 8:04:45
